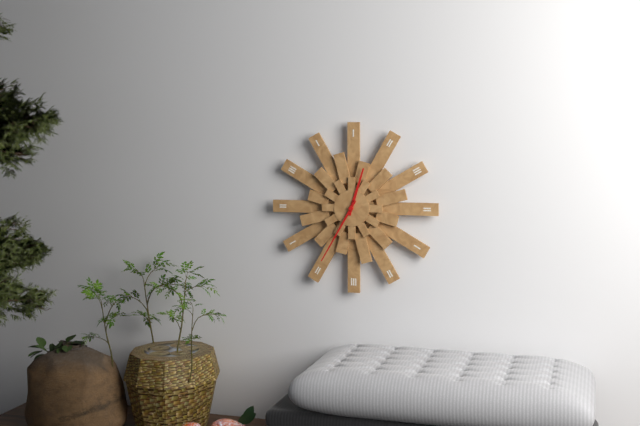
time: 12:35
